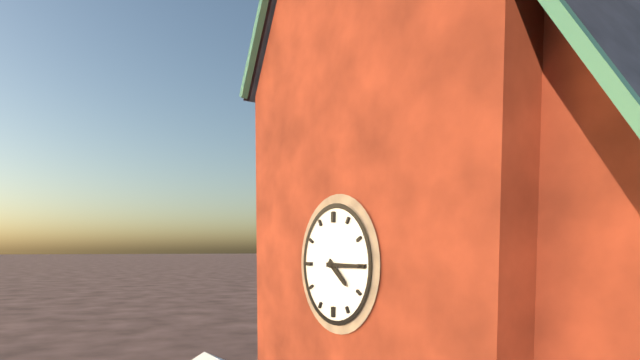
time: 4:15
